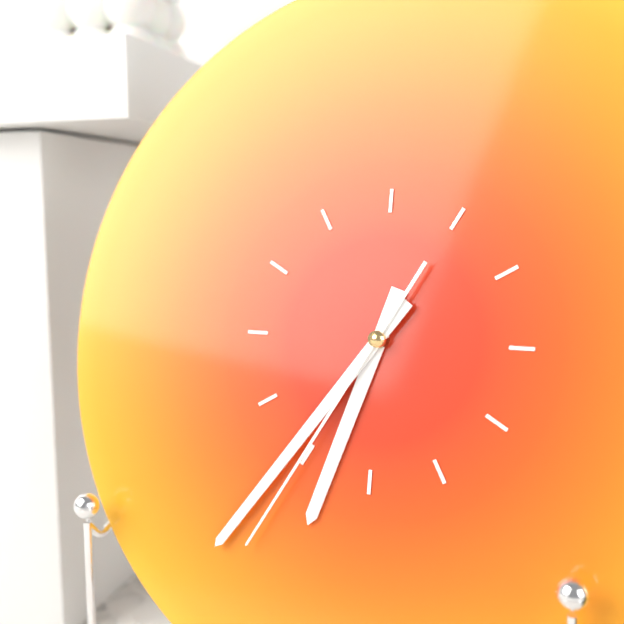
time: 6:36:35
